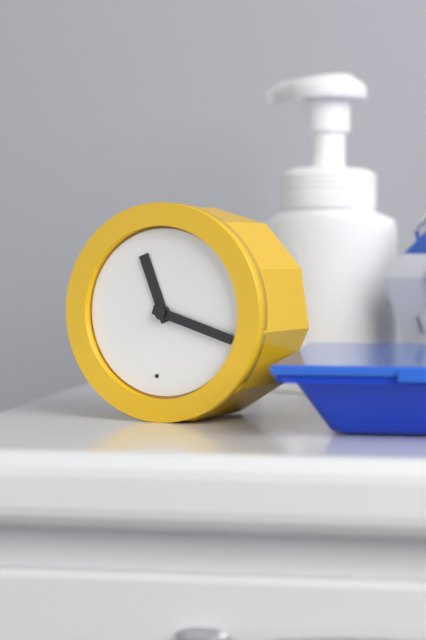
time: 11:18
